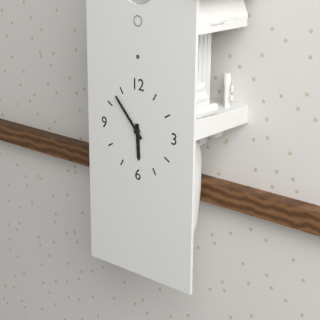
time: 5:53
